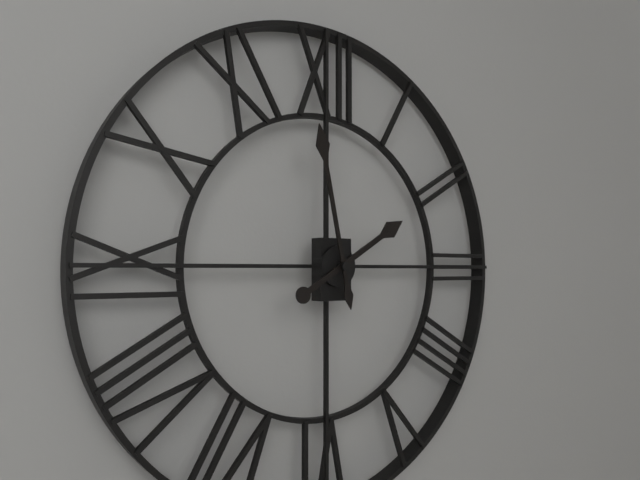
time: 1:58
